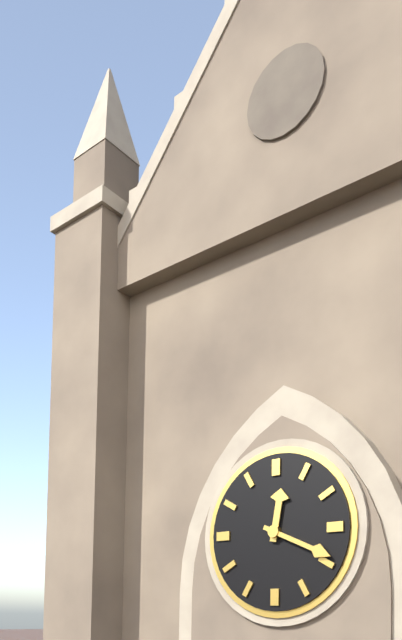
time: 12:19
